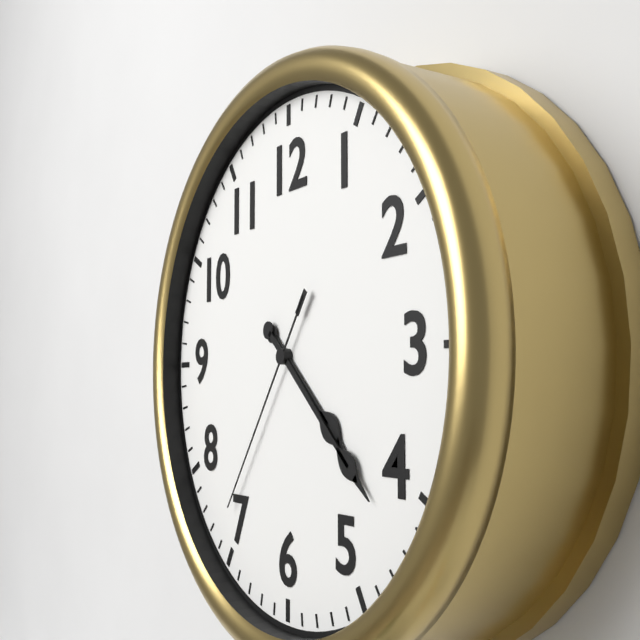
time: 4:22:36
